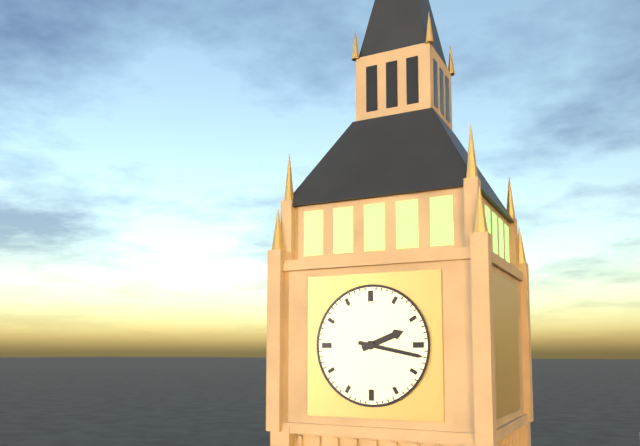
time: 2:17
